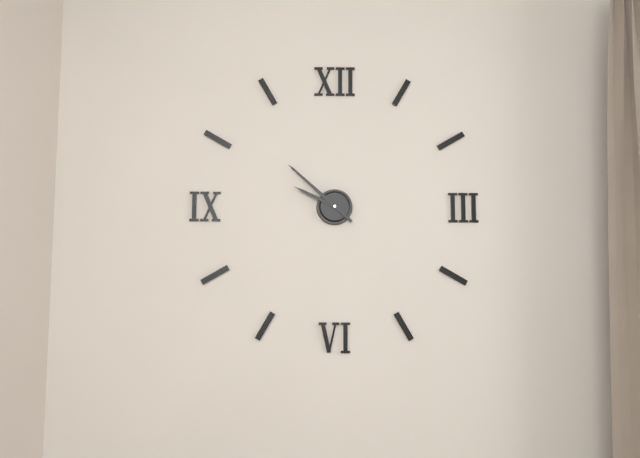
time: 9:52
